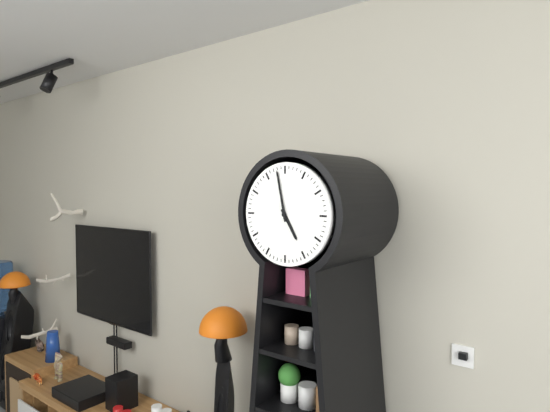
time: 4:58
